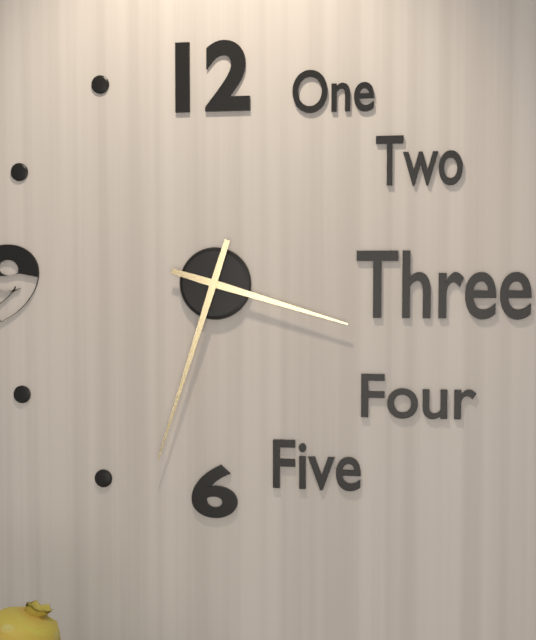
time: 3:33
